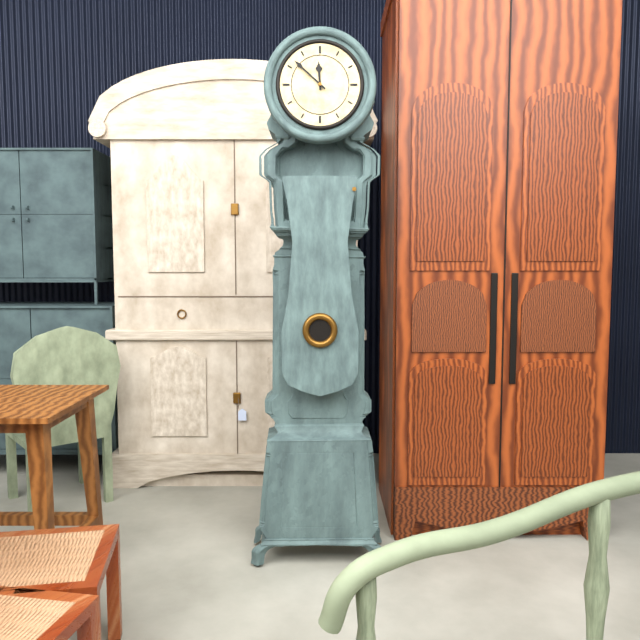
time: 11:52
